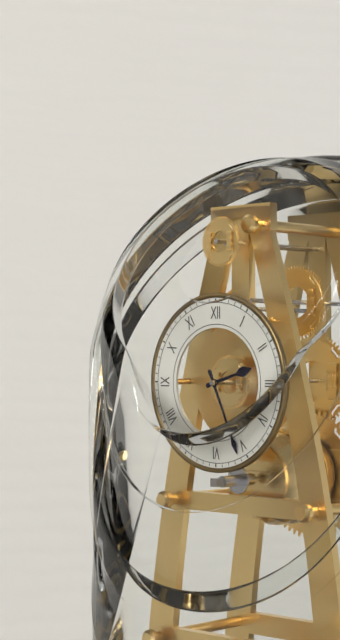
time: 2:26
